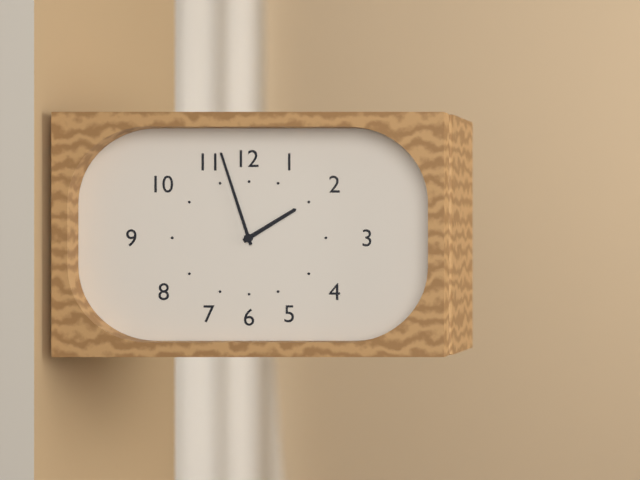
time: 1:57
